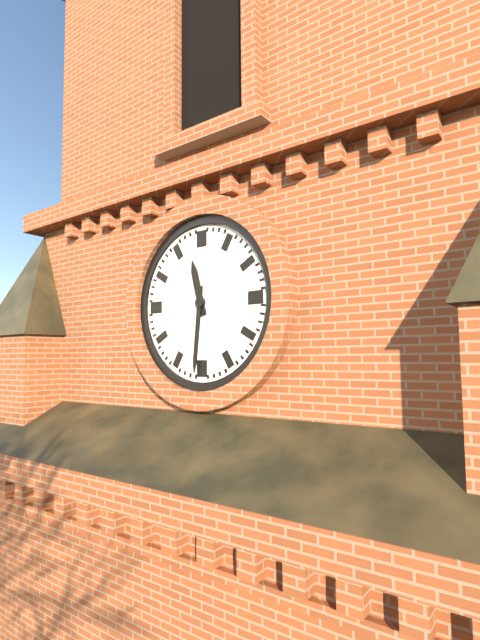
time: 11:31
